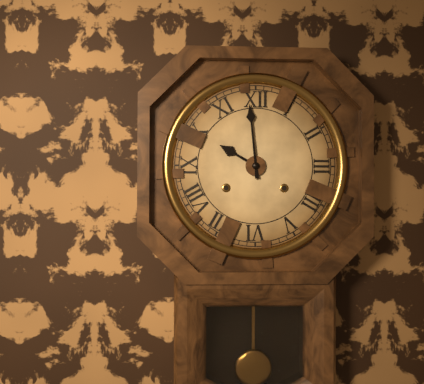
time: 9:59
